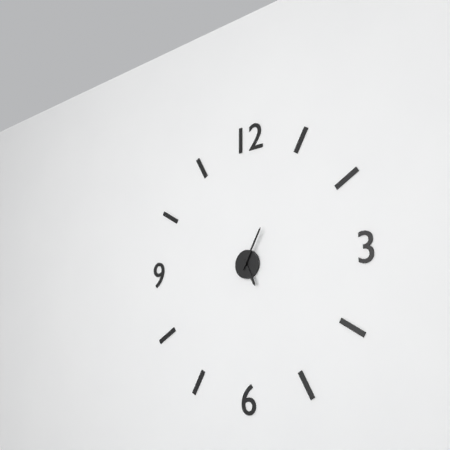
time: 5:05
